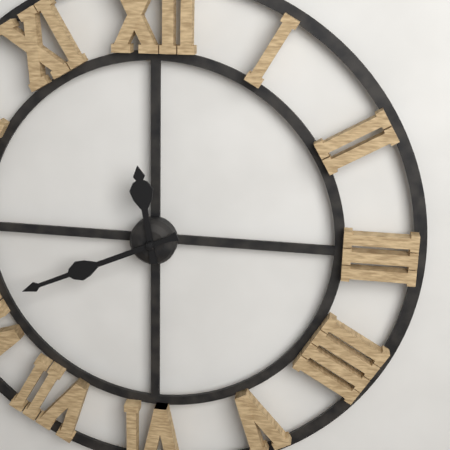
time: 11:41
